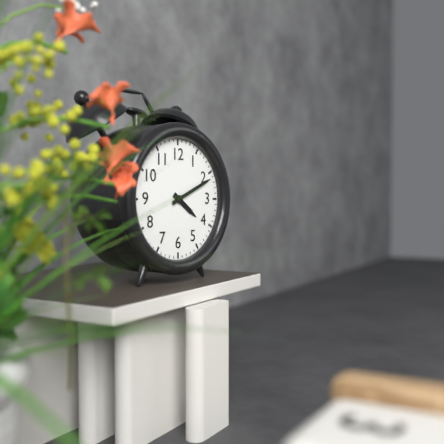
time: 4:11
